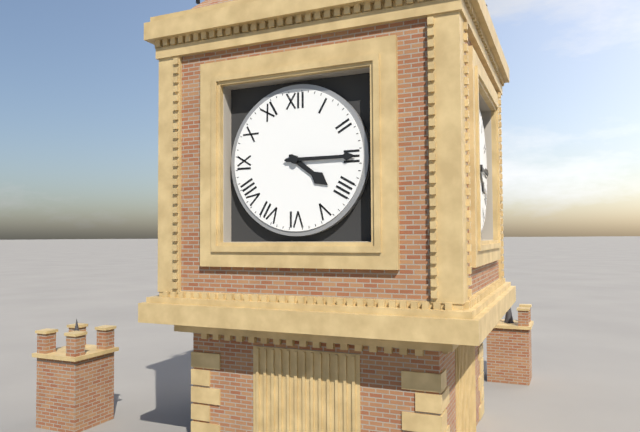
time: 4:15
